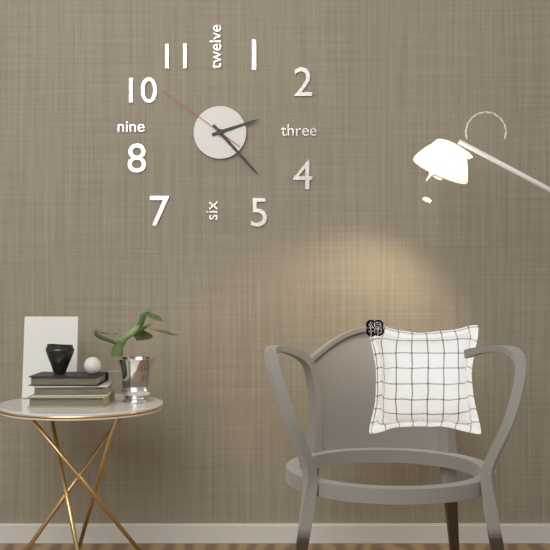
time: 2:23:51
